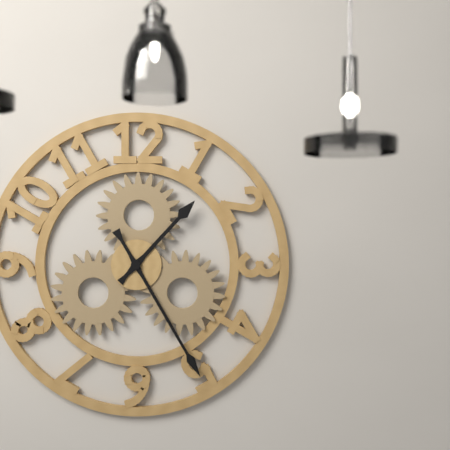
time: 1:25
